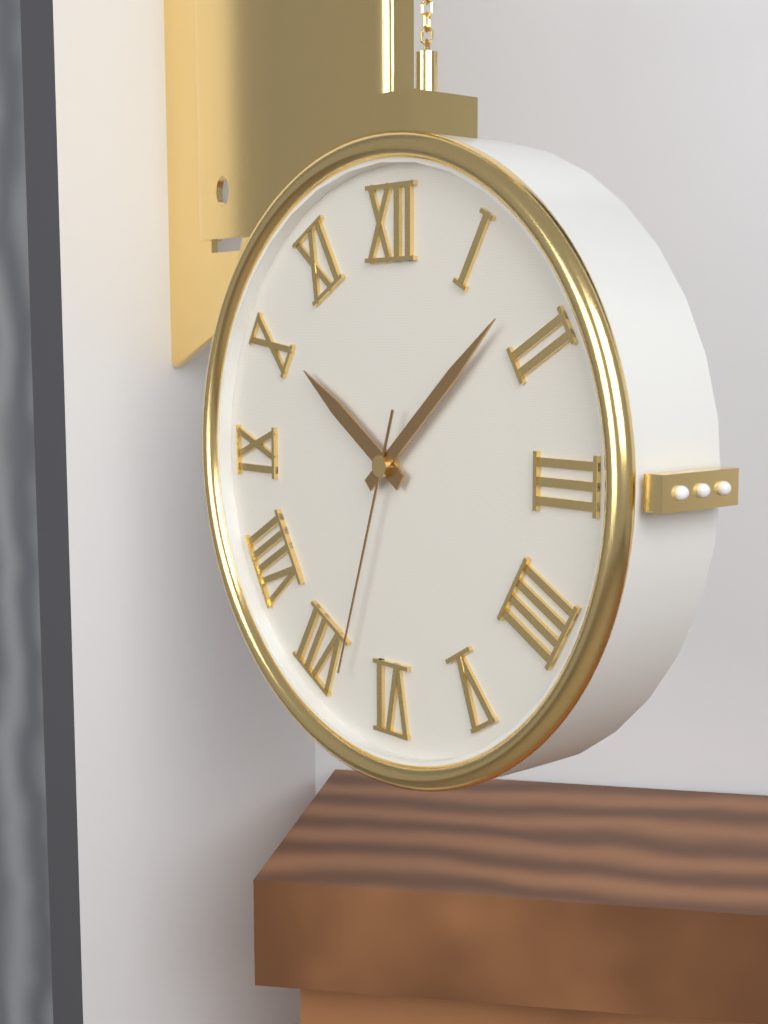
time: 10:08:33
